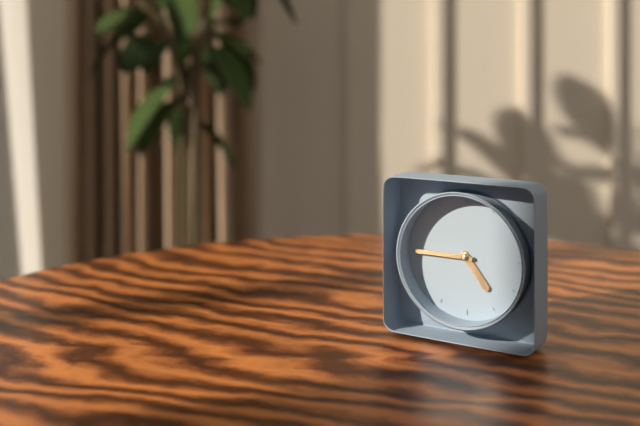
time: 4:45
